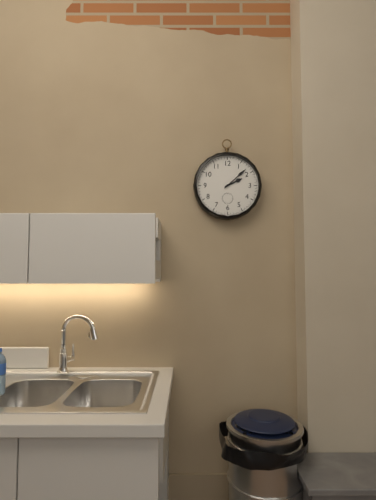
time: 2:08
